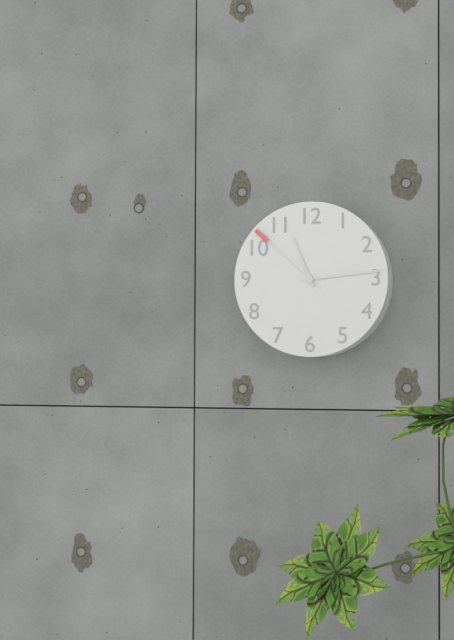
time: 11:14:52
